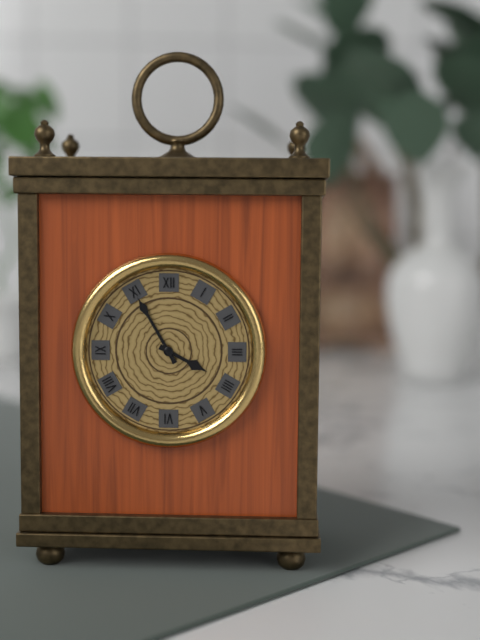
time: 3:55
